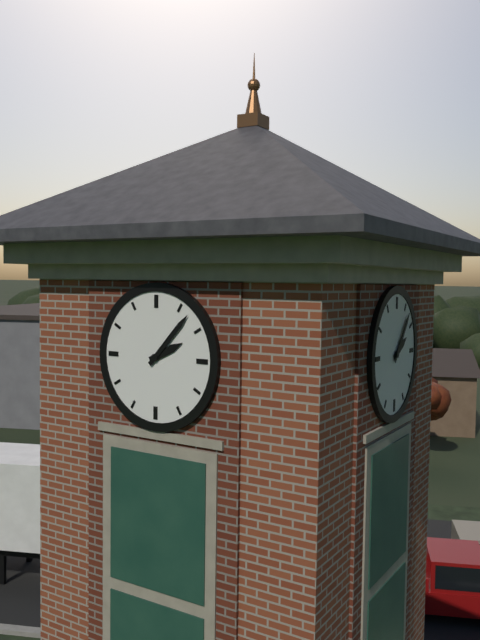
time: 2:07
